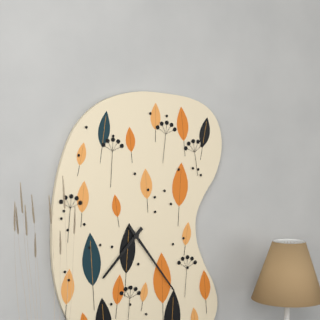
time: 7:24
